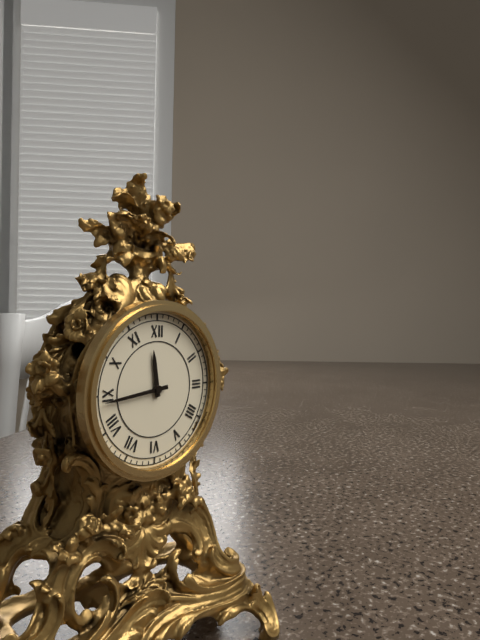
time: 11:44
